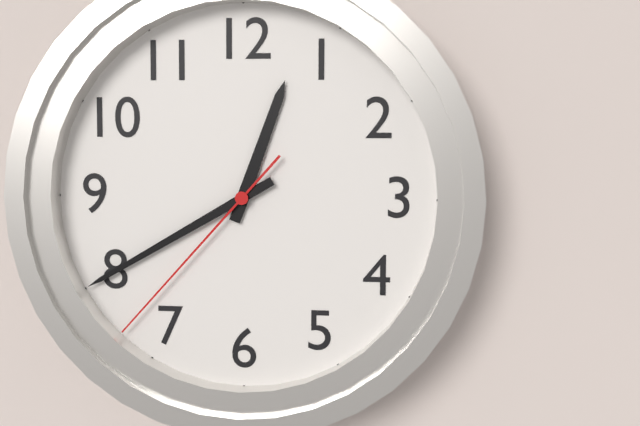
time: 12:40:37
